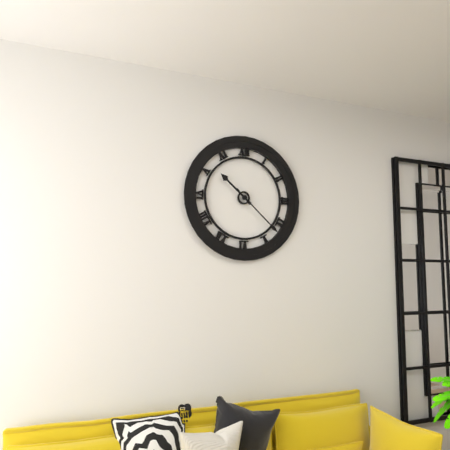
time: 10:22
